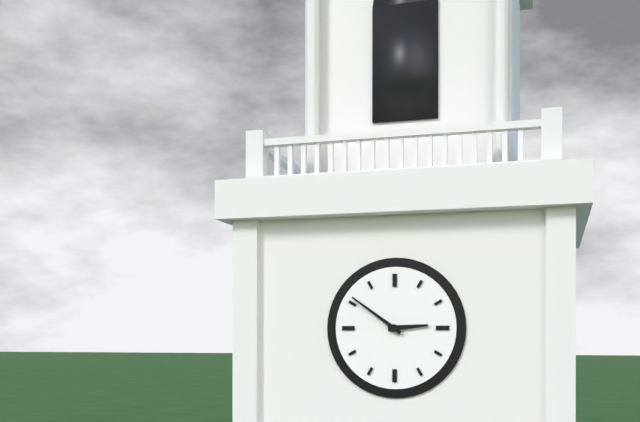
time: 2:51
